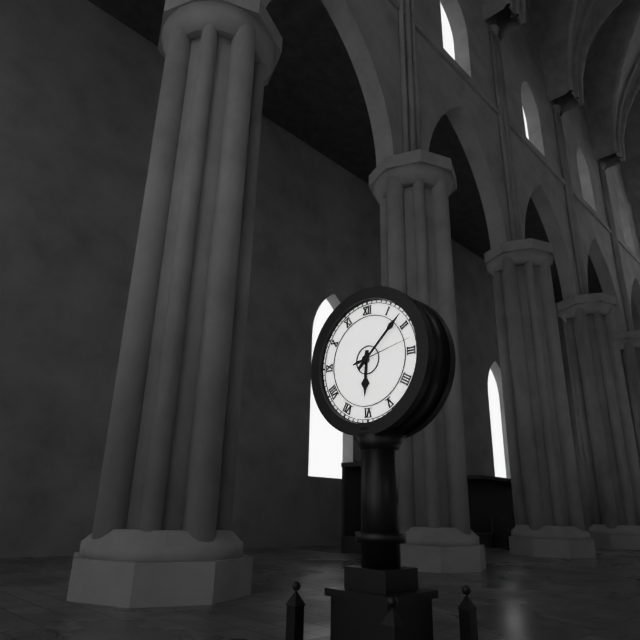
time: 6:08:13
